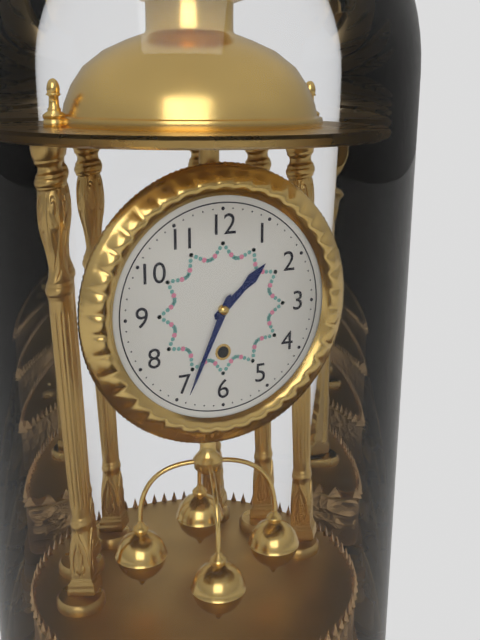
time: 1:34
